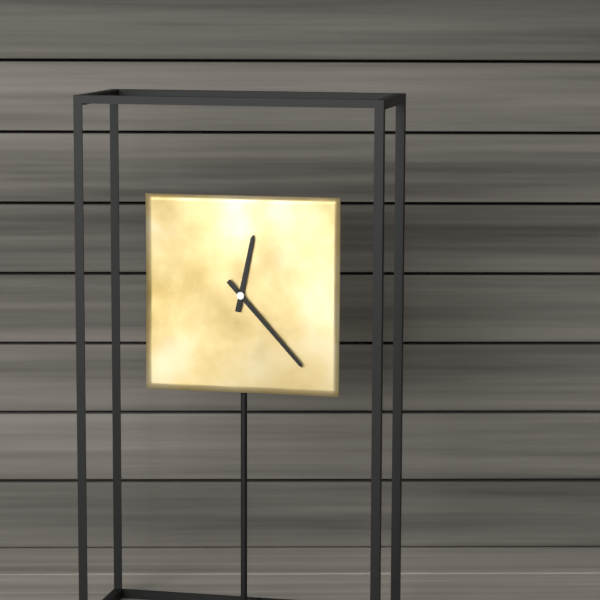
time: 12:23
